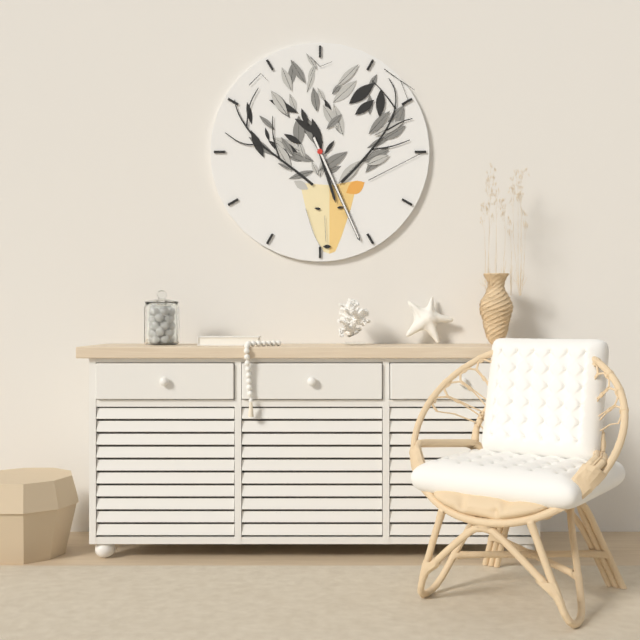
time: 5:26
